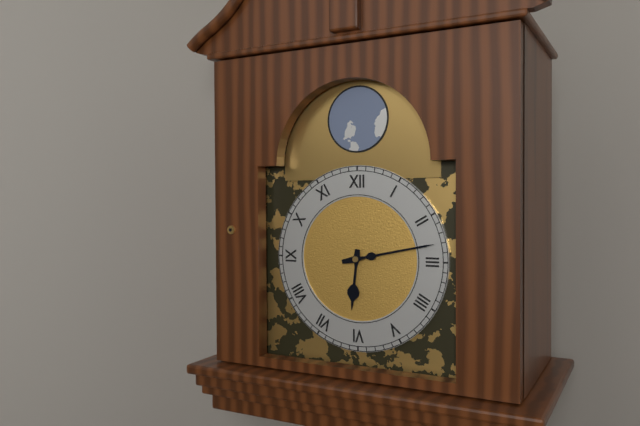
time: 6:13
